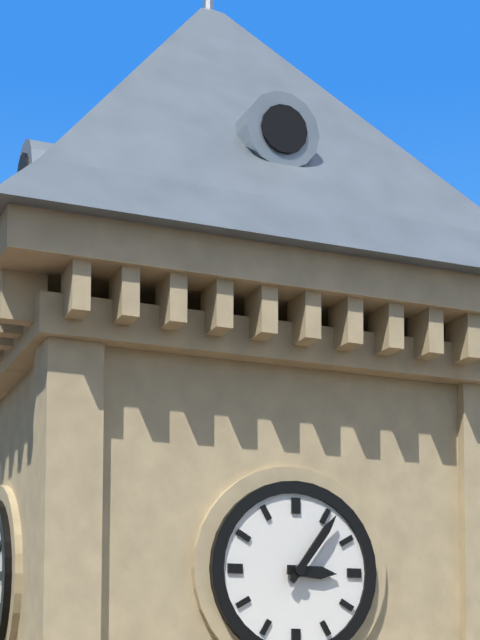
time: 3:06
